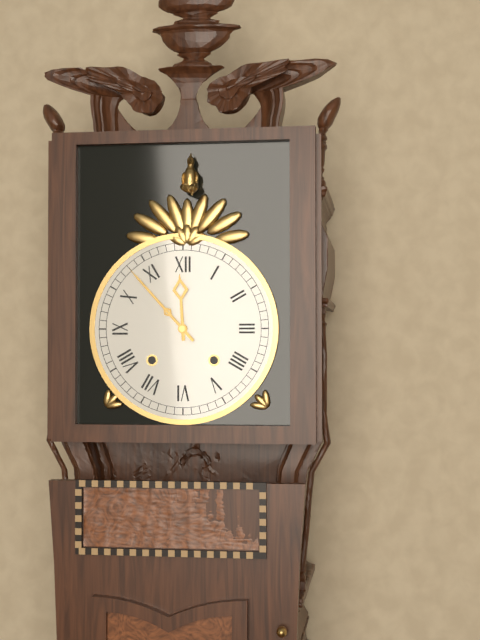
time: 11:53
